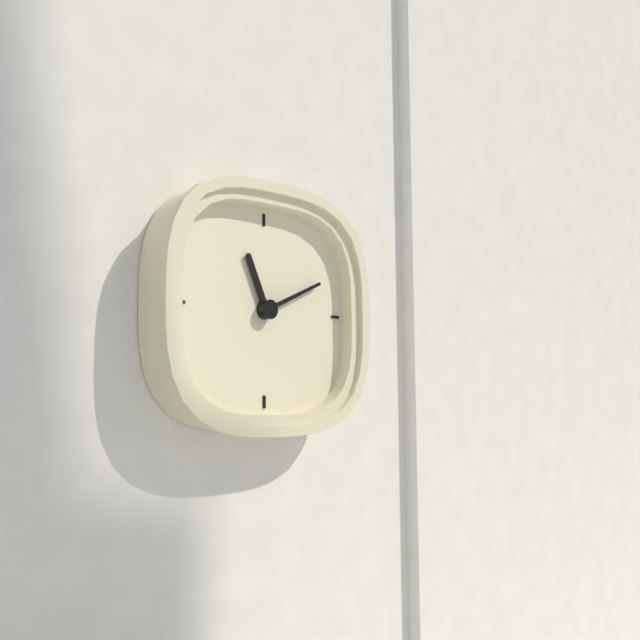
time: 11:11
